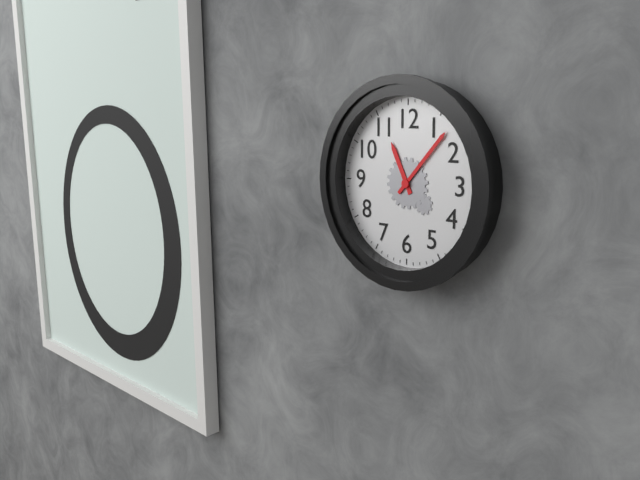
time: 11:07
